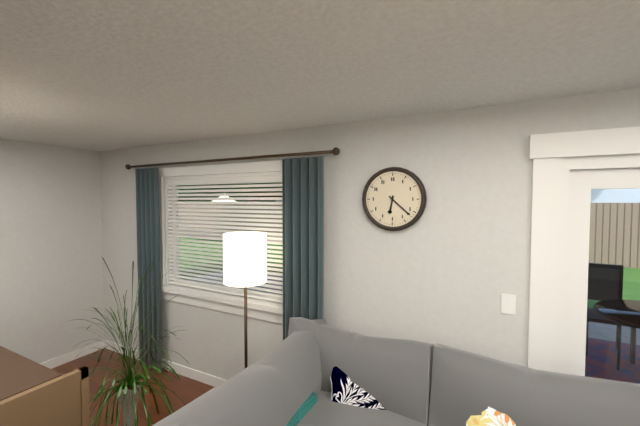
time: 6:22
